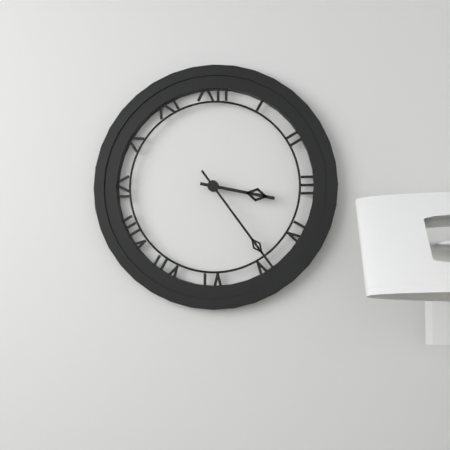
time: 3:24
